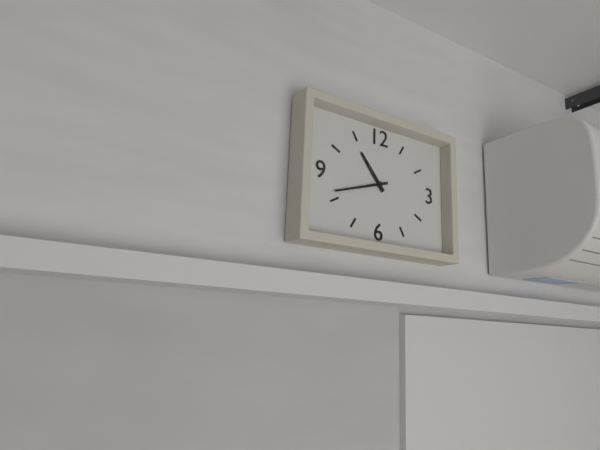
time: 10:42
